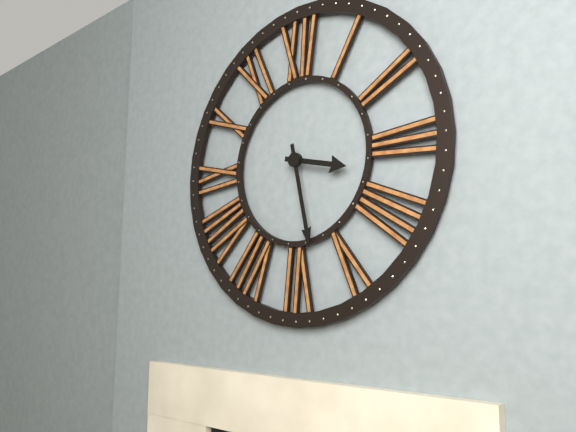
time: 3:28
